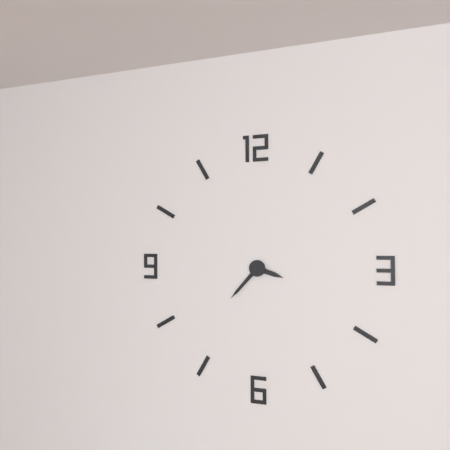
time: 3:37
